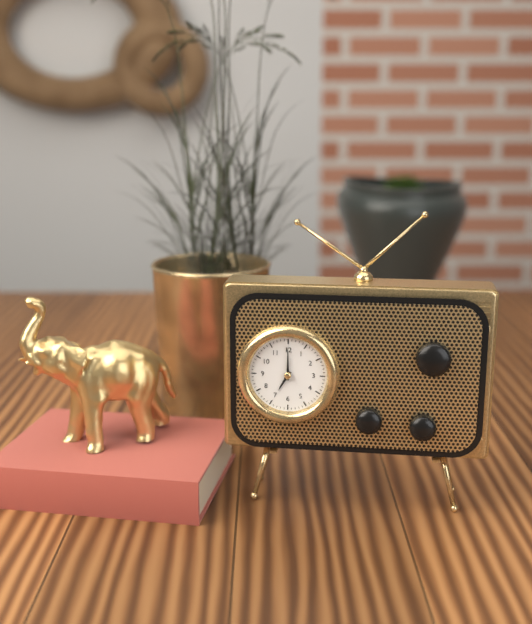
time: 7:00
